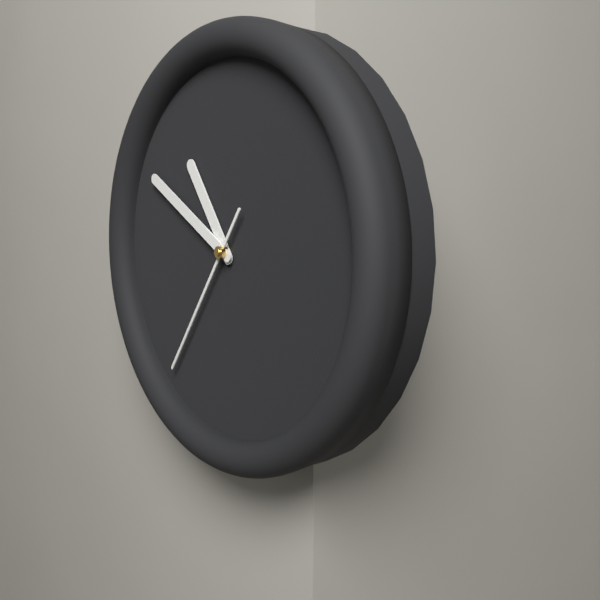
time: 10:50:36
